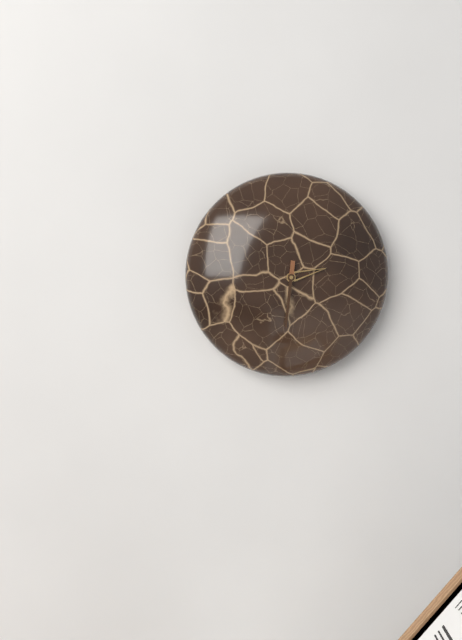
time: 2:31
